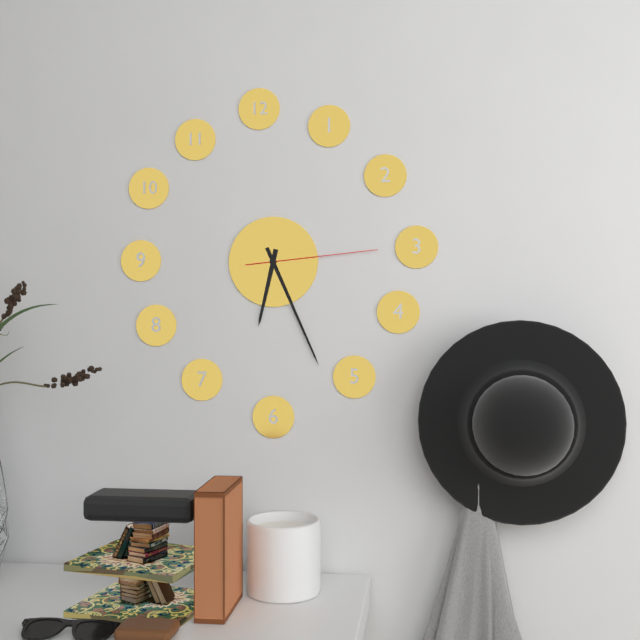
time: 6:26:14
